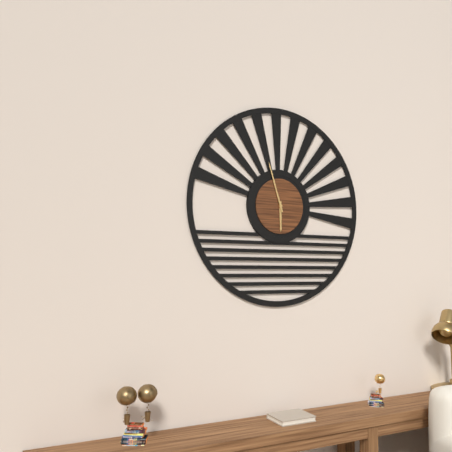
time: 5:57
